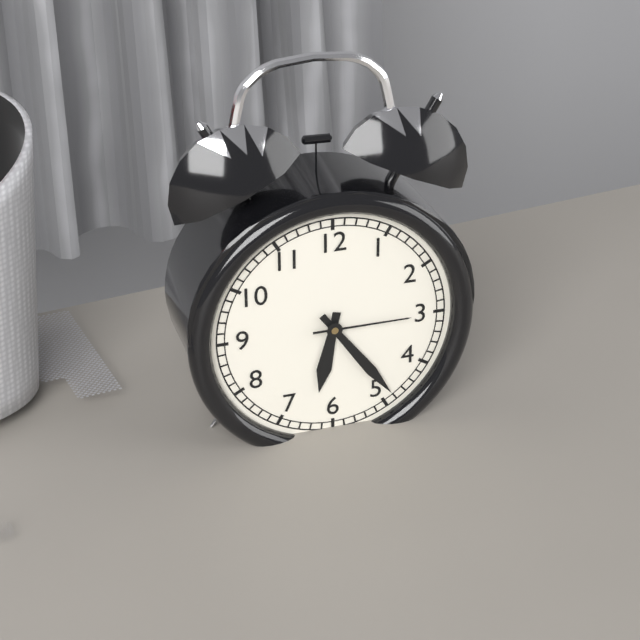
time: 6:24:15
